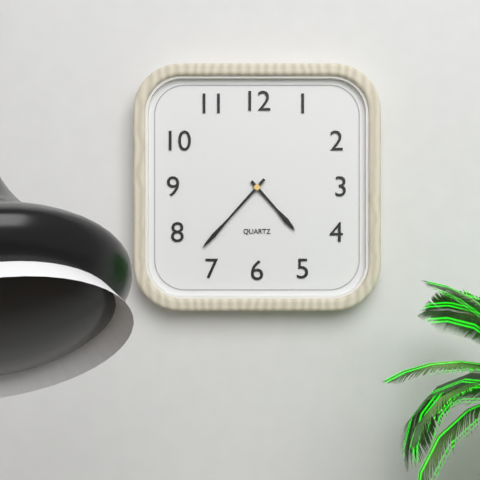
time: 4:37
